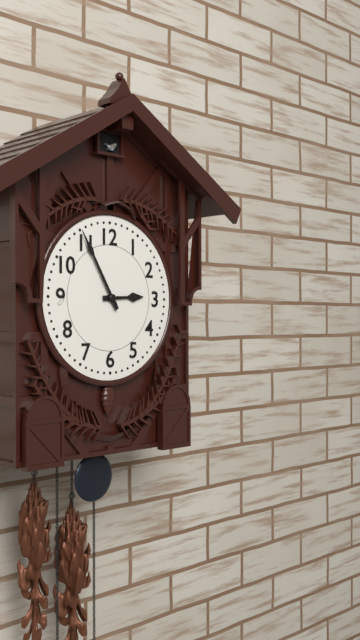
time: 2:55
